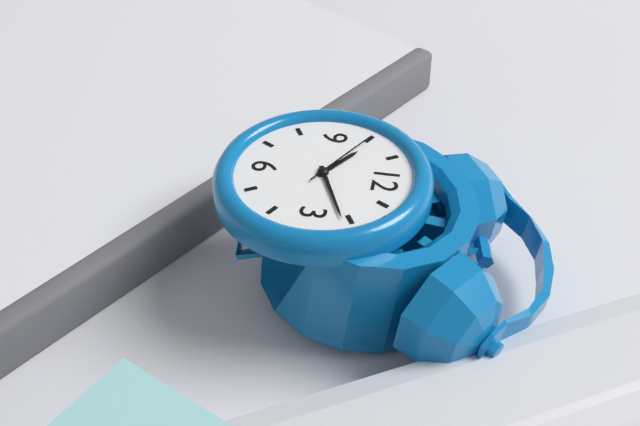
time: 10:11:50
